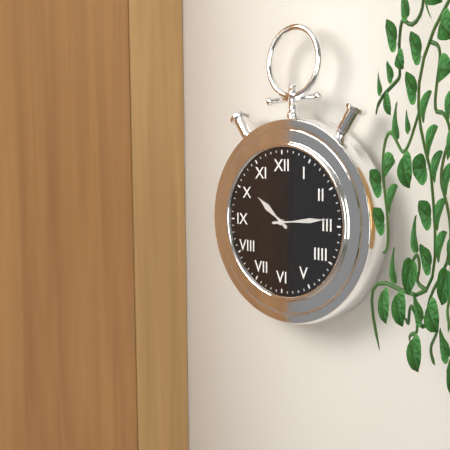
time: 10:14
